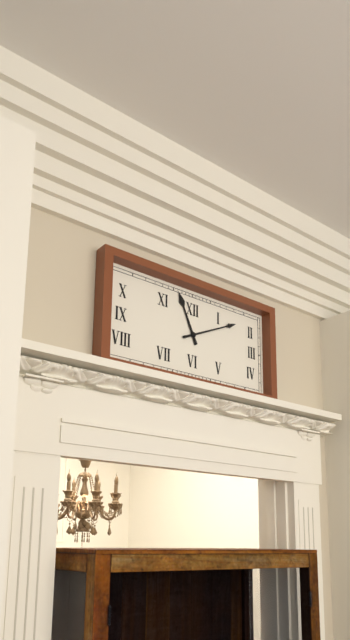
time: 11:11
